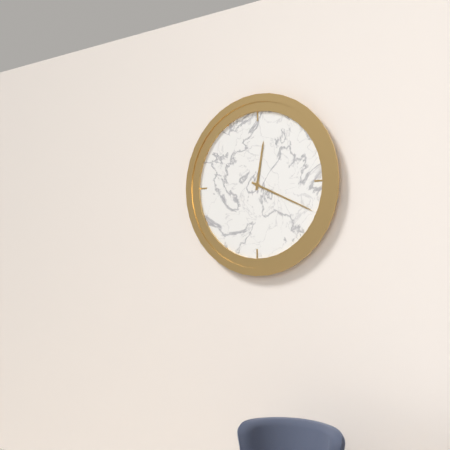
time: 12:19
